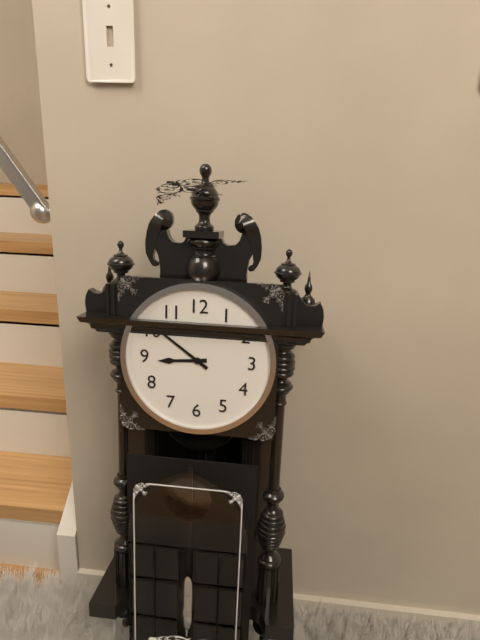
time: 8:51
